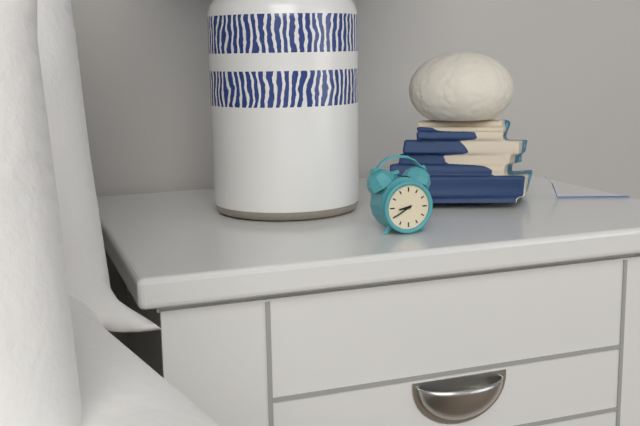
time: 8:40
